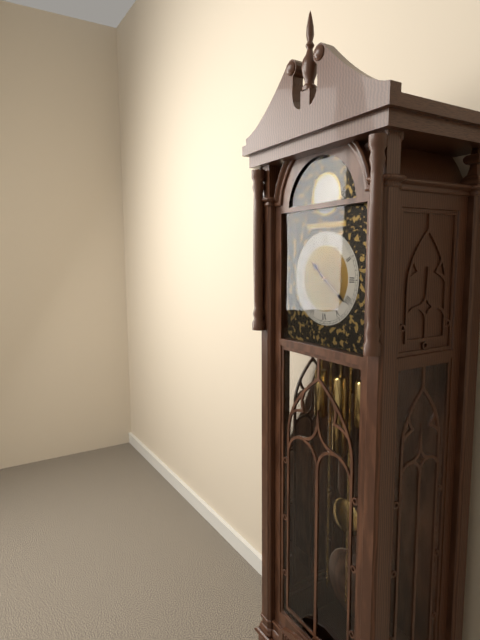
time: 10:21
